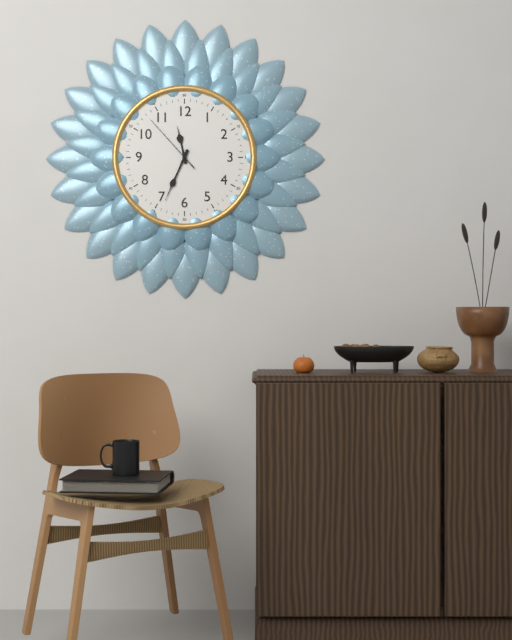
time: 11:34:53
